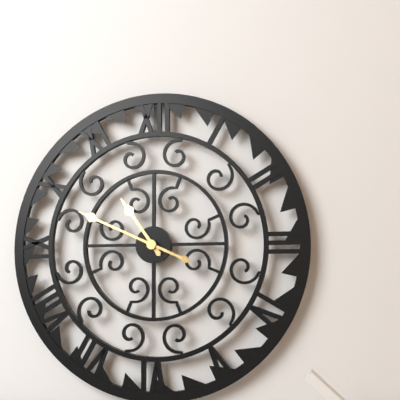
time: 10:49
